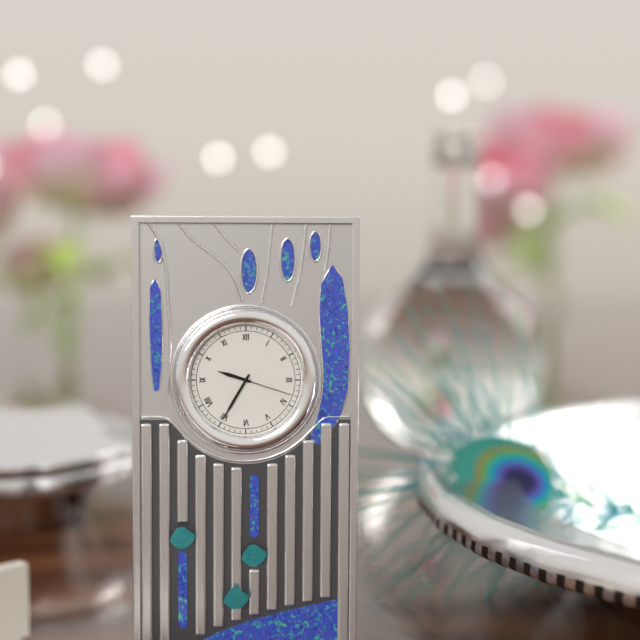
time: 9:35:18
